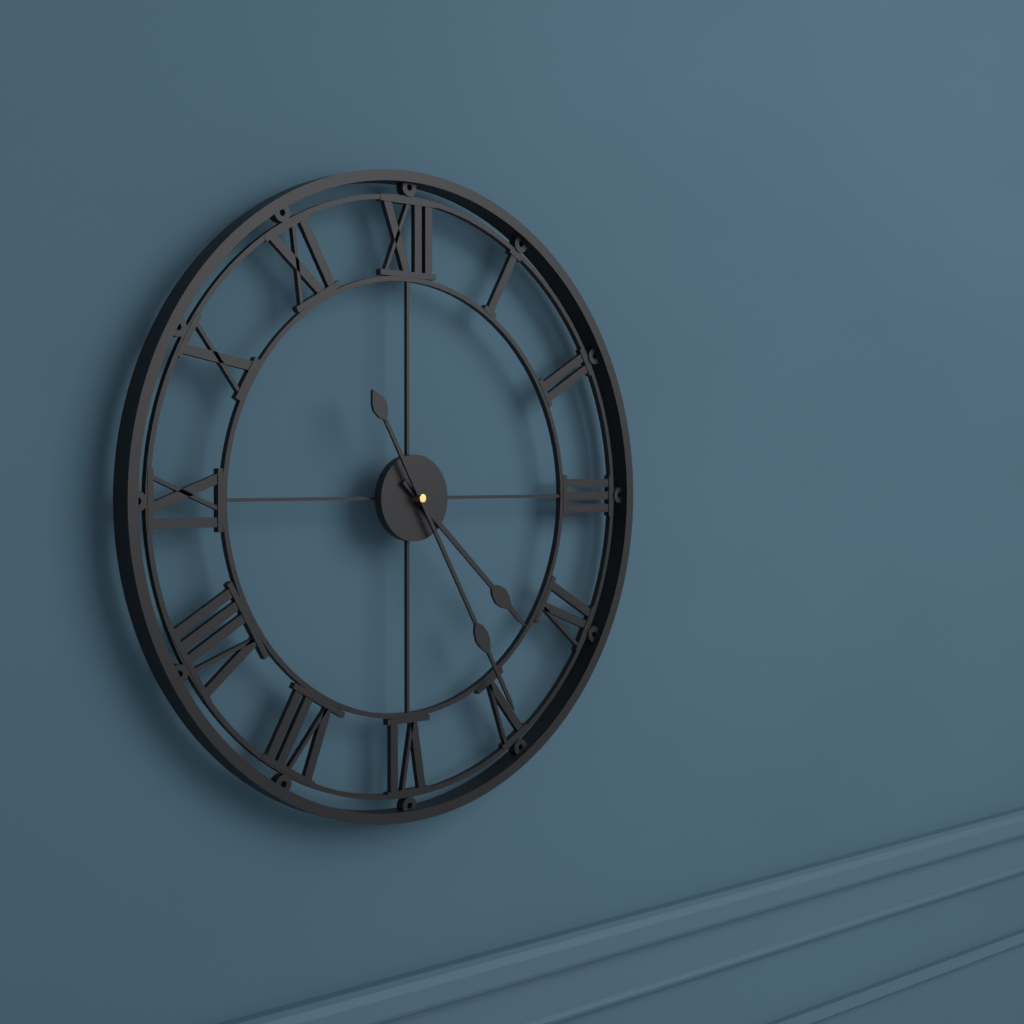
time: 4:25
